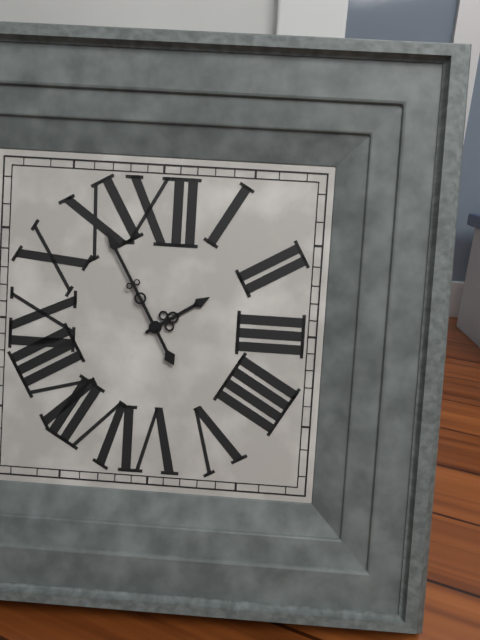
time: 1:55
